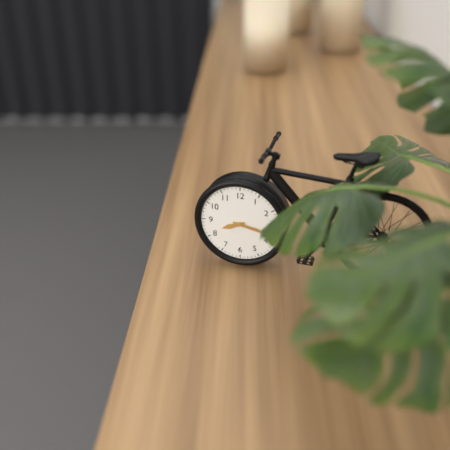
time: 8:17
